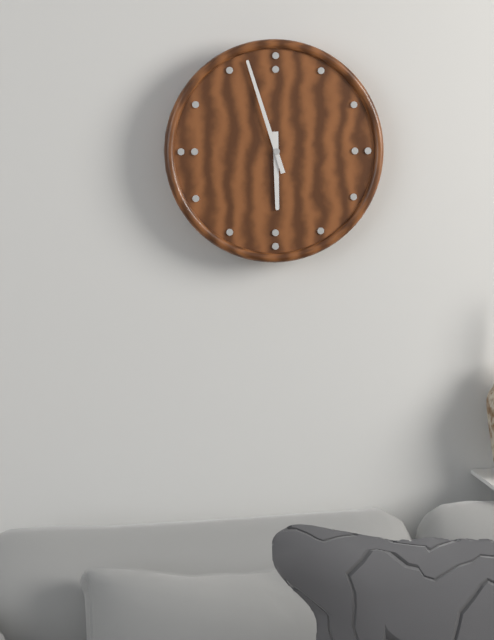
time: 5:57
